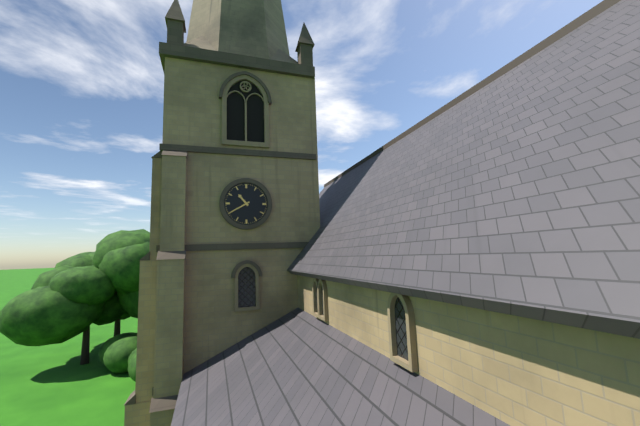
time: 10:40
